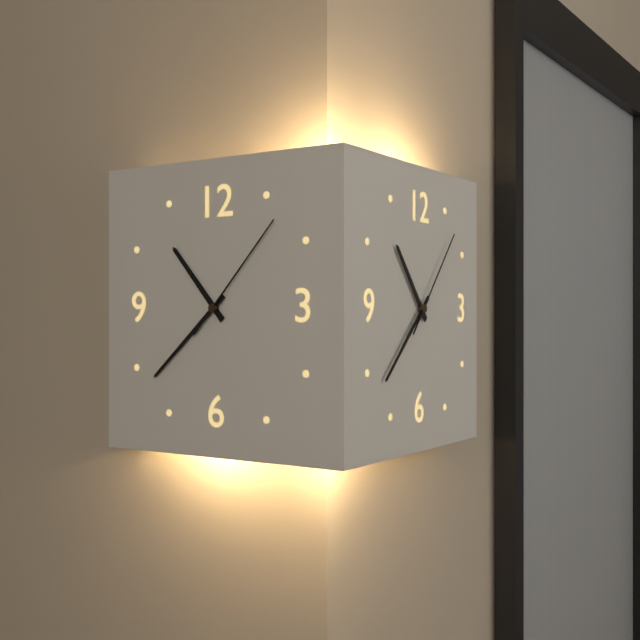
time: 10:38:07
